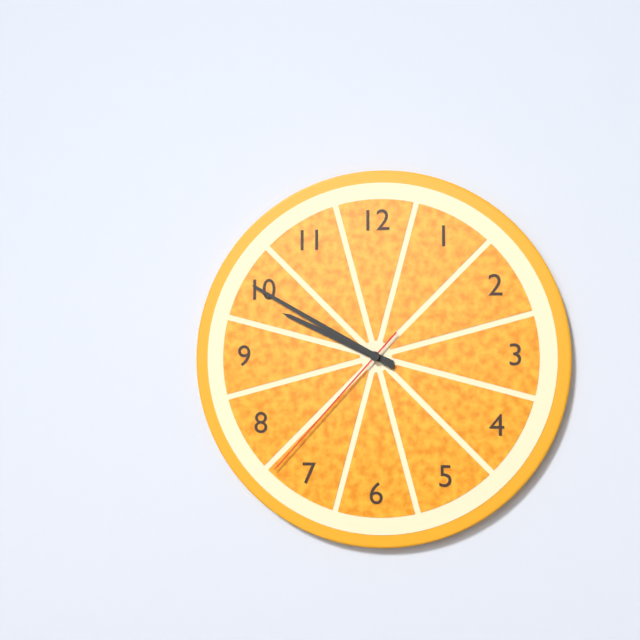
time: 9:50:37
